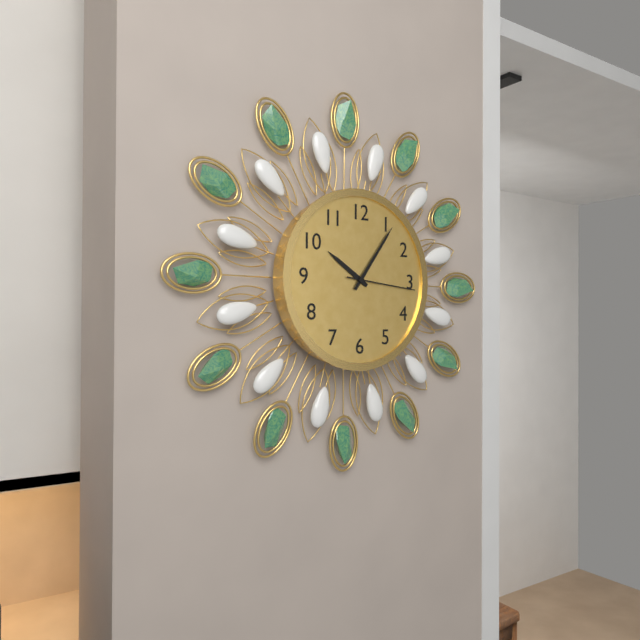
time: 10:06:16
